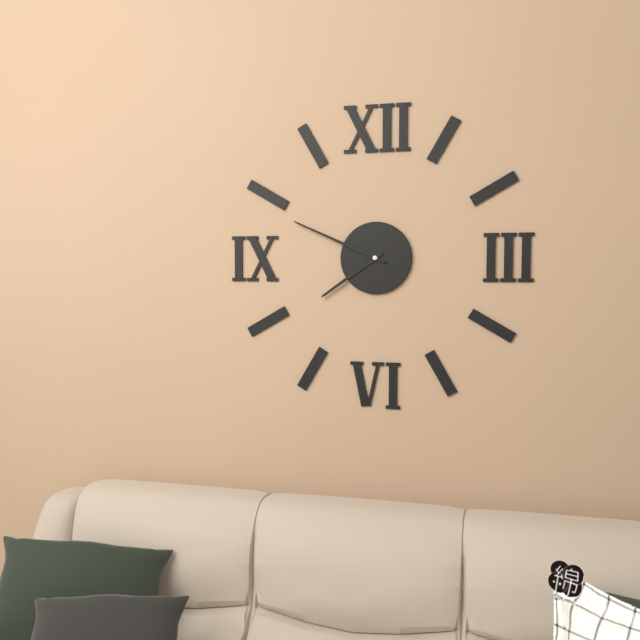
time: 7:49
